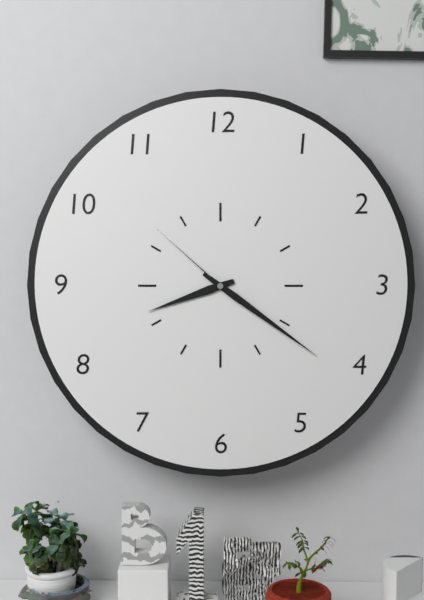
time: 8:21:52
